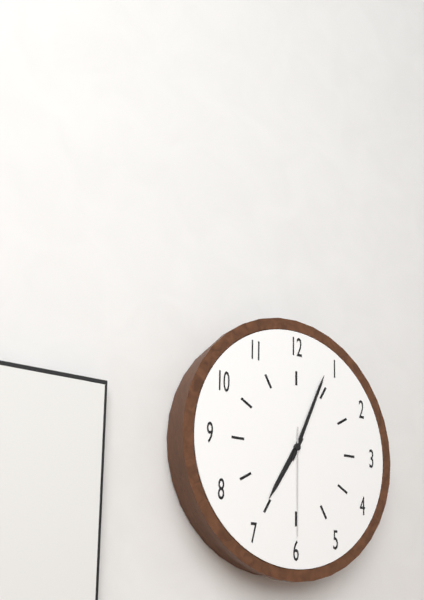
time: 7:04:30
